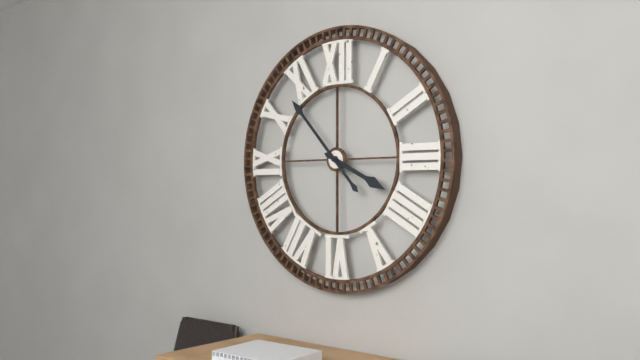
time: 3:53
